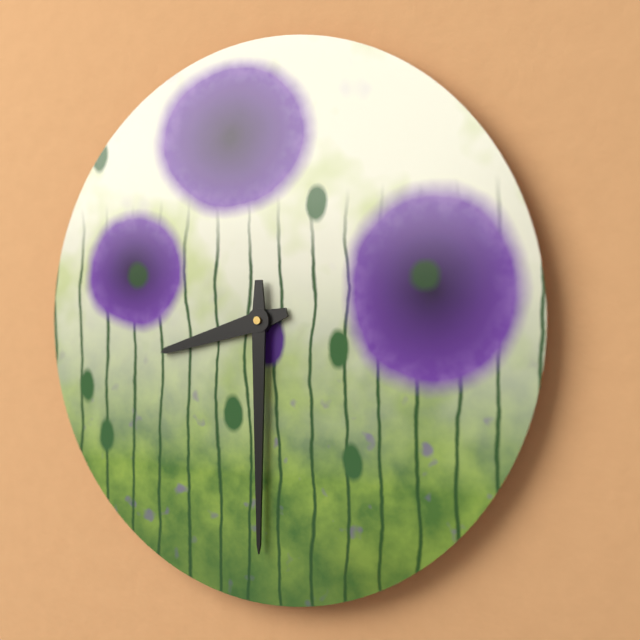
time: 8:30
